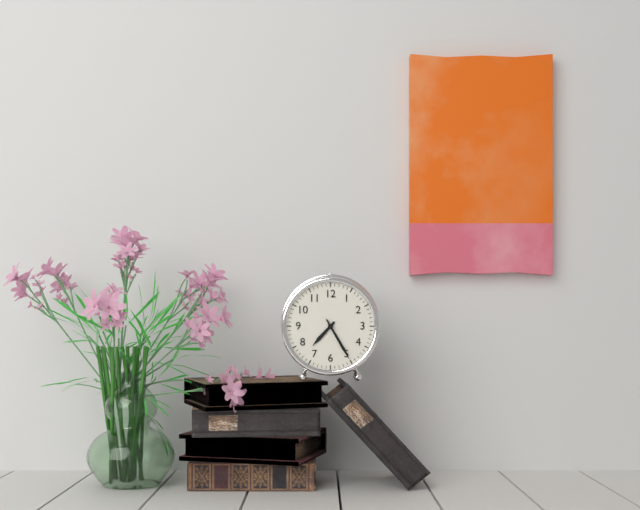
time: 7:25
